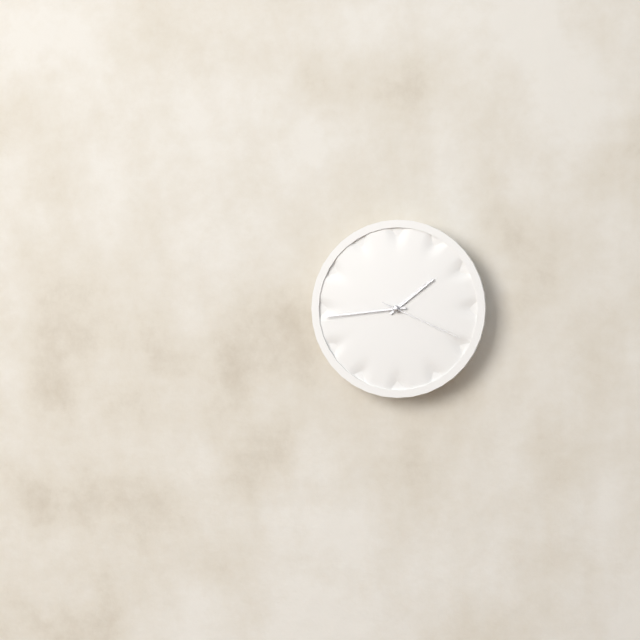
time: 1:44:19
